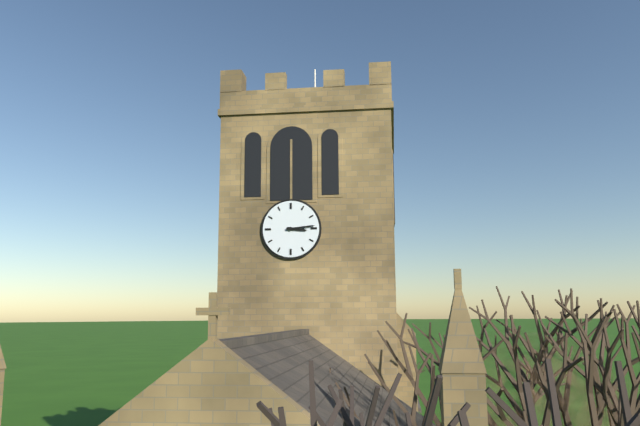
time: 3:14
